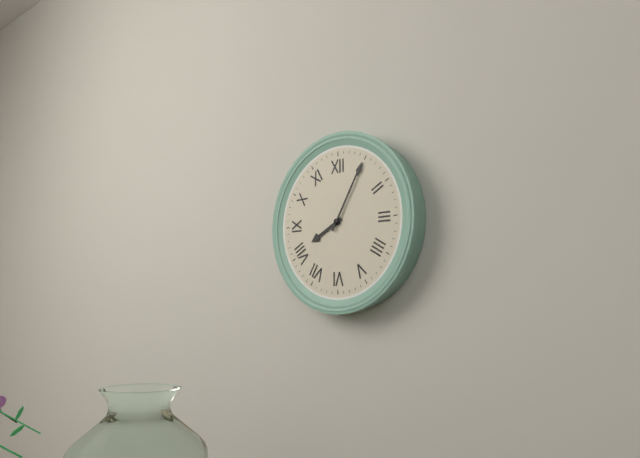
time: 8:05
